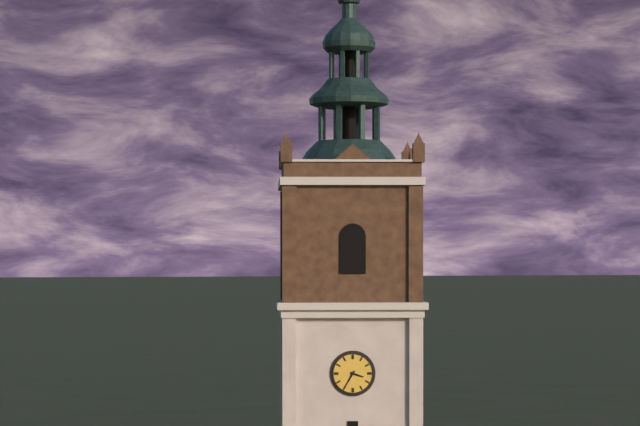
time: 3:35
